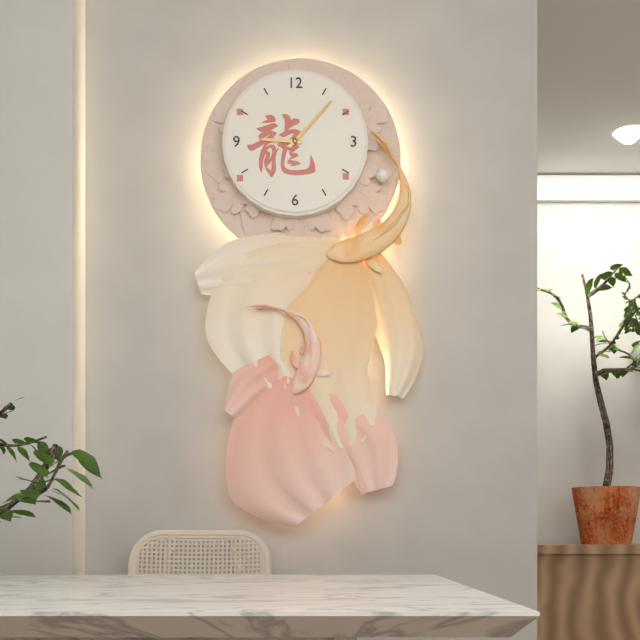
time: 9:07
